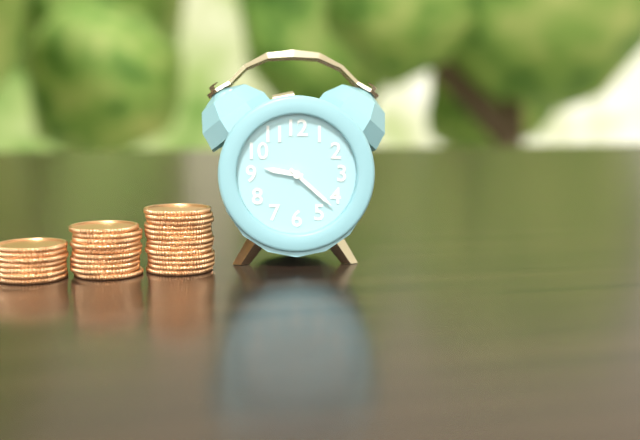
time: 9:22
